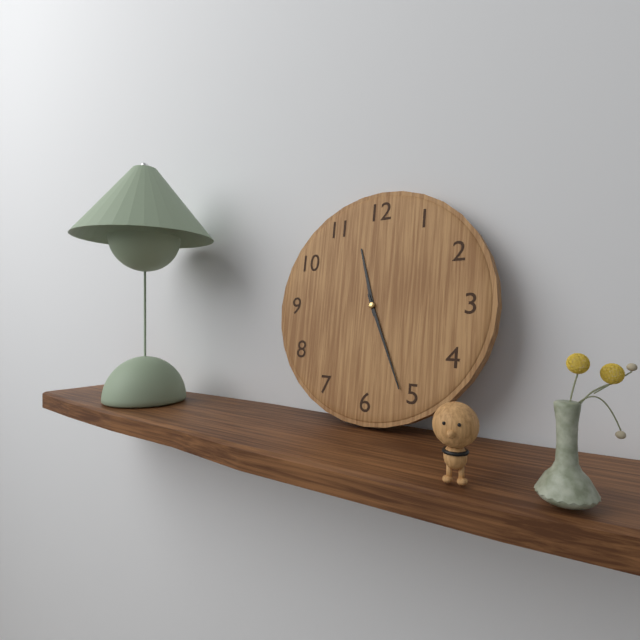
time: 11:26
